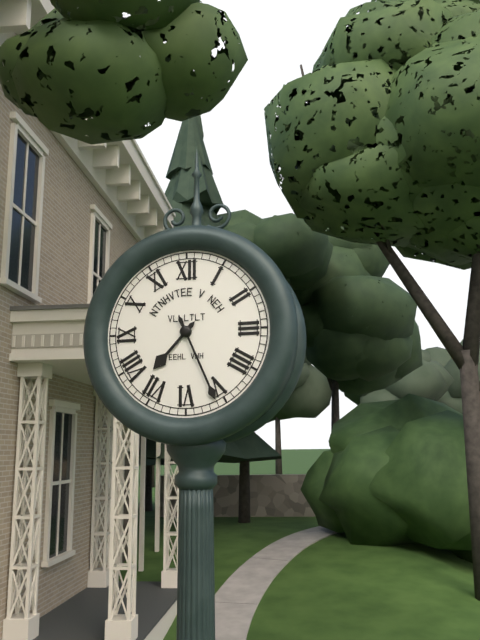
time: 7:26
